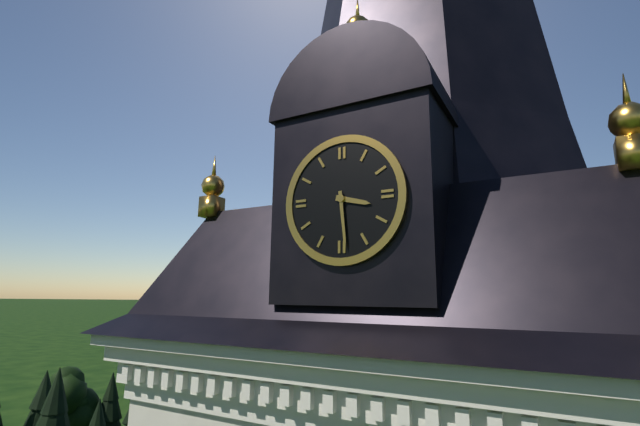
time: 3:29
